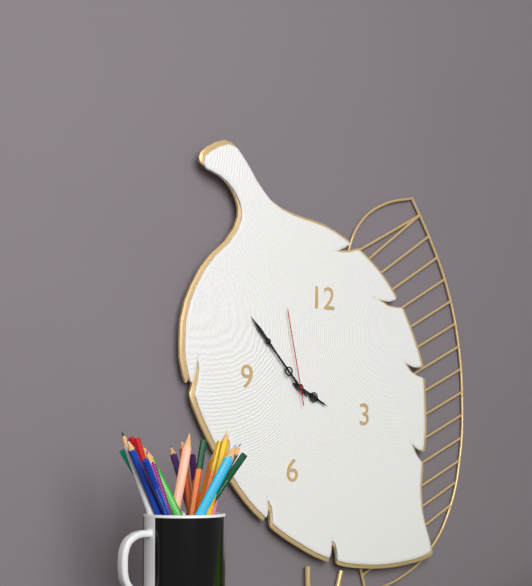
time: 3:53:58
